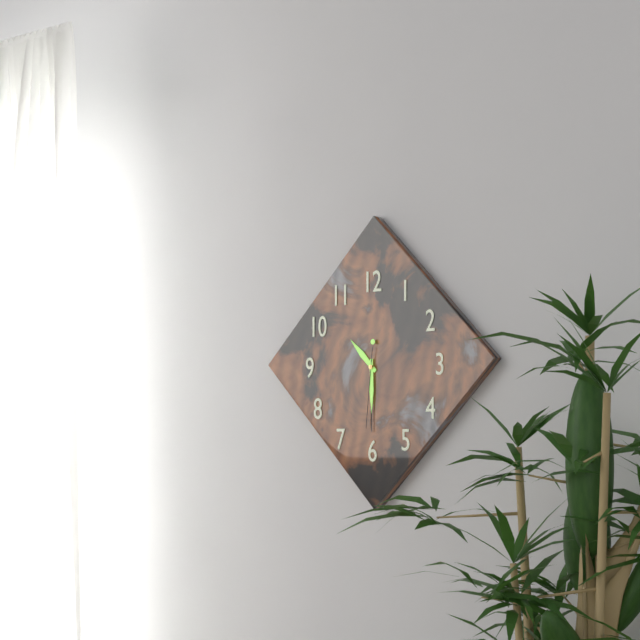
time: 10:30:31
